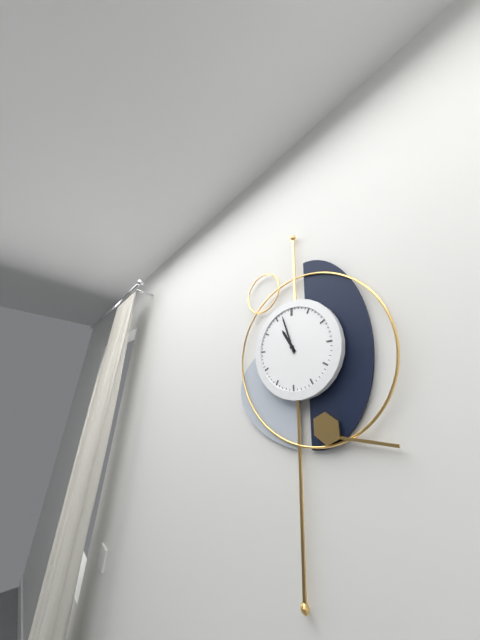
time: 10:57
